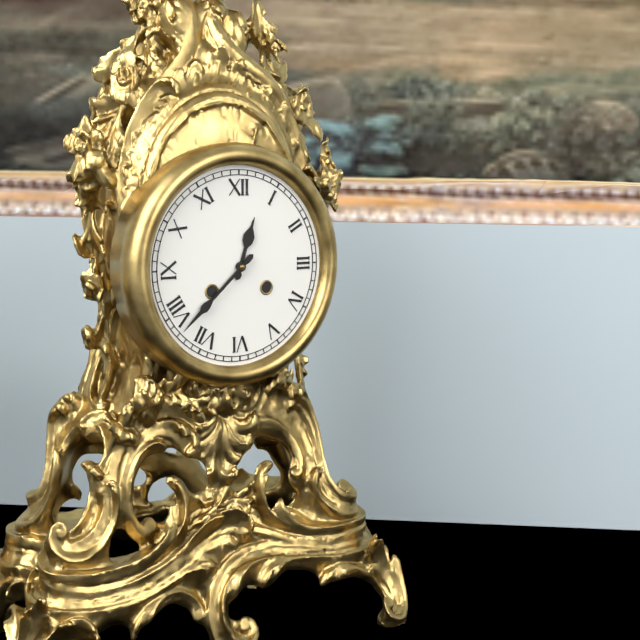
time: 12:38
